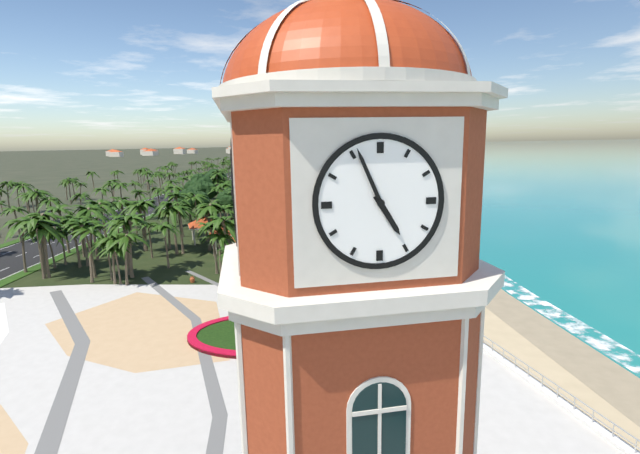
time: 4:56
